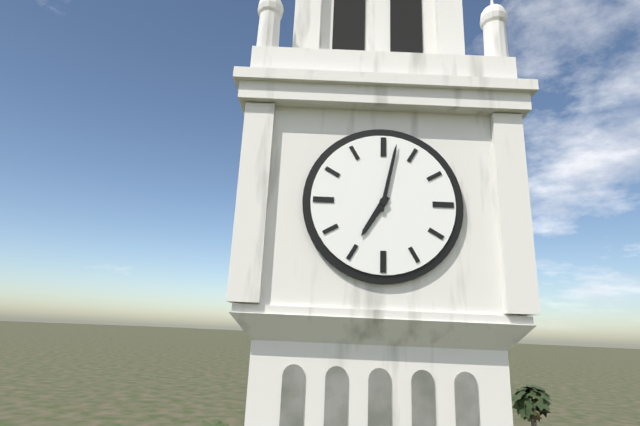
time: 7:02
